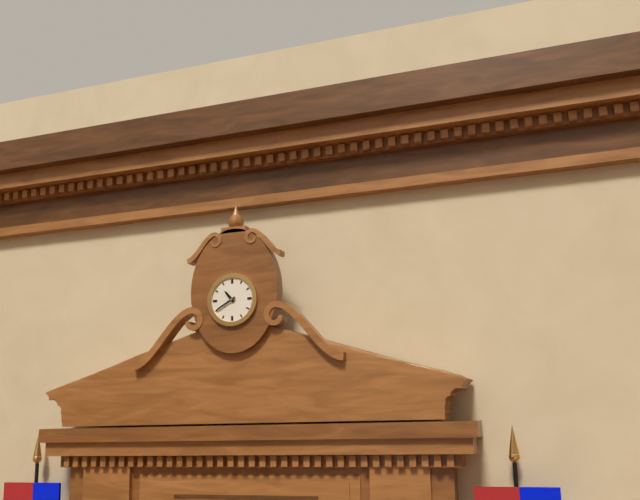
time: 10:40
